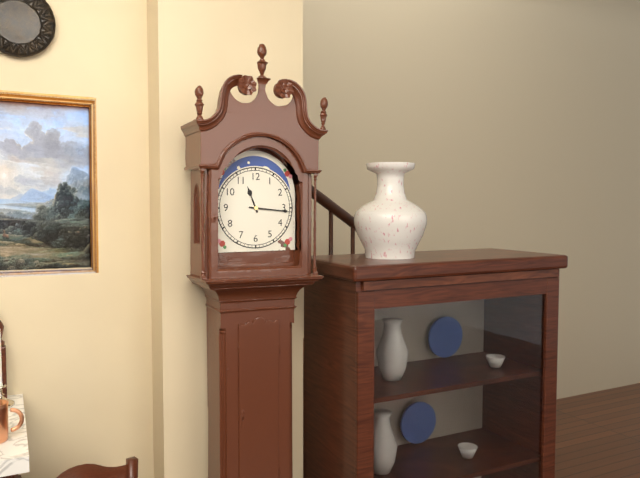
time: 11:16
